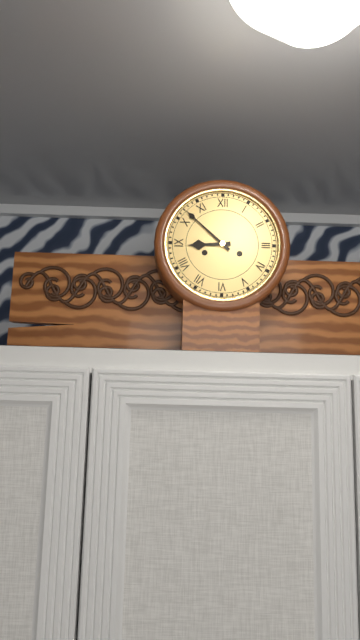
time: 8:52
